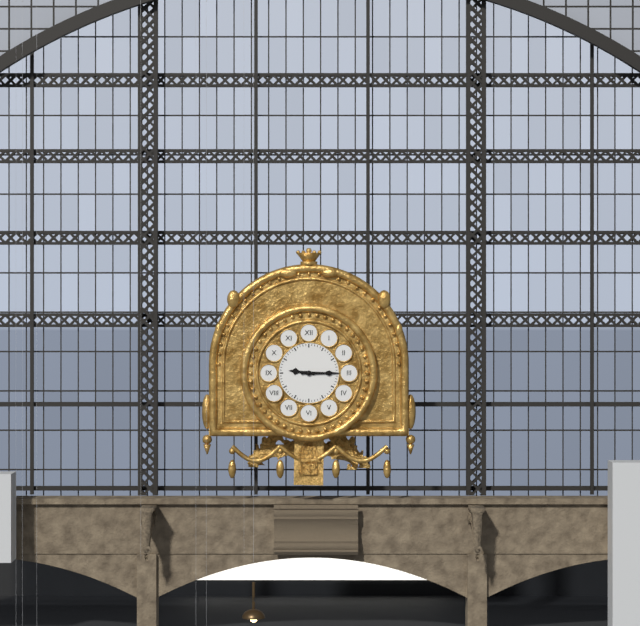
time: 9:15
